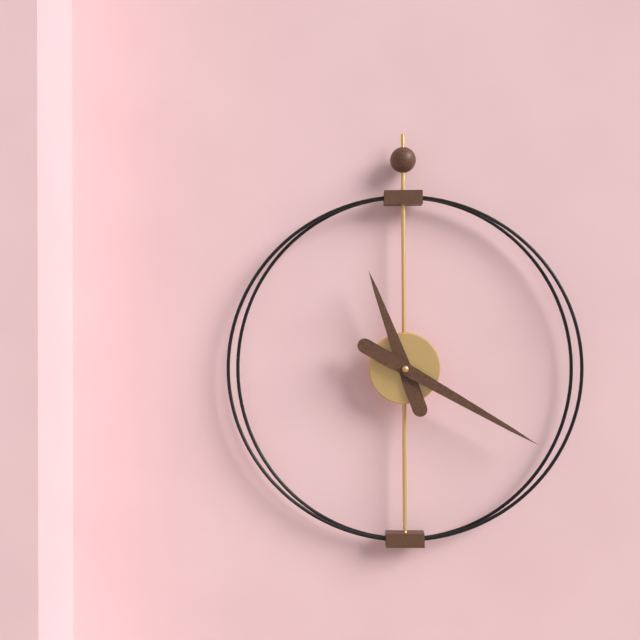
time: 11:20
